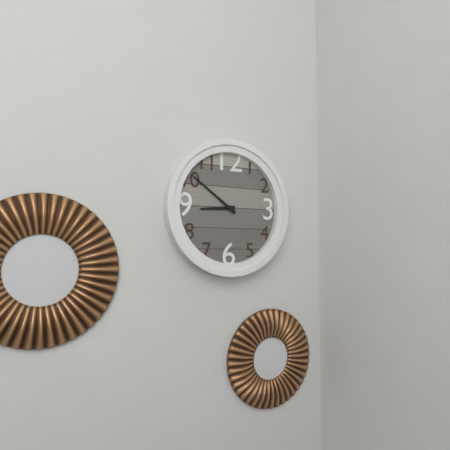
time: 8:51
